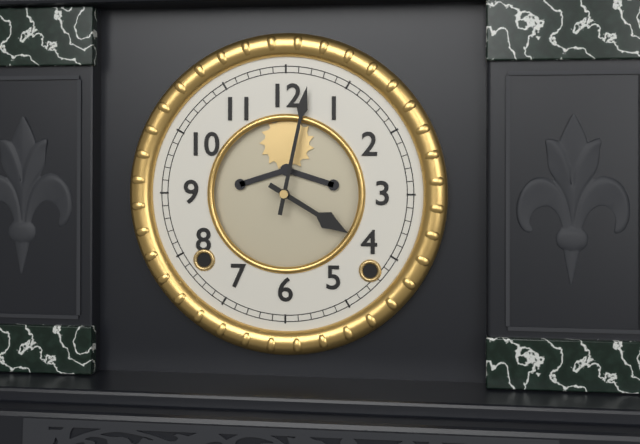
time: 4:02
